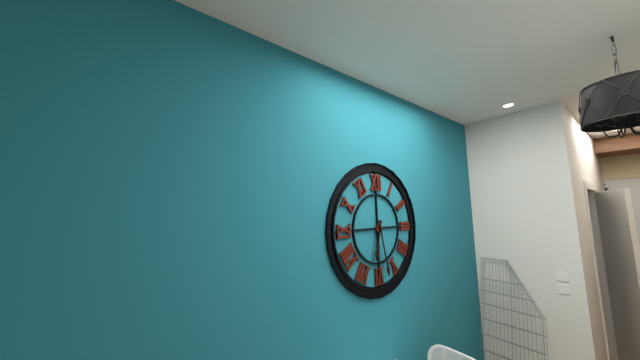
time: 6:28
